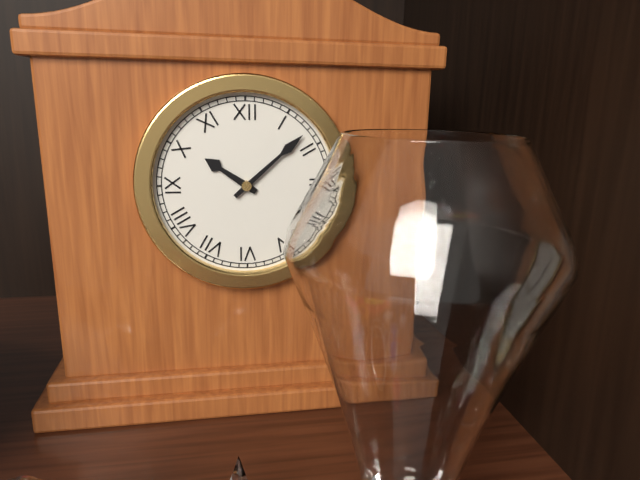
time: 10:08
